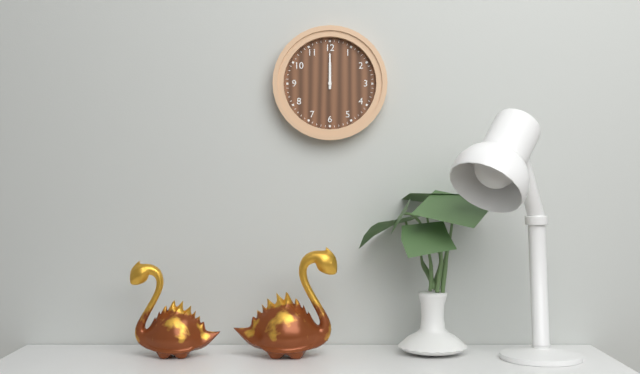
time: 12:00
